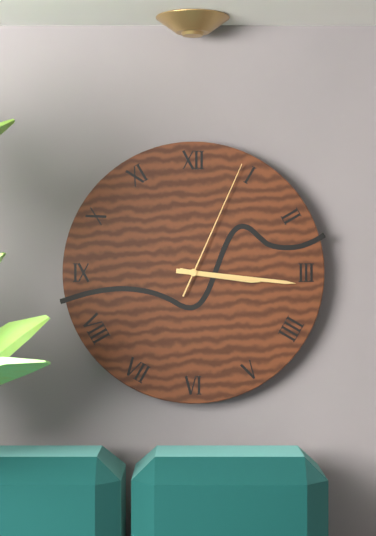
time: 3:16:04
